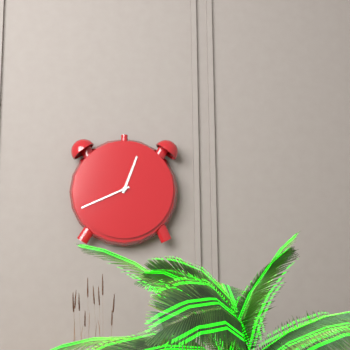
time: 12:41
